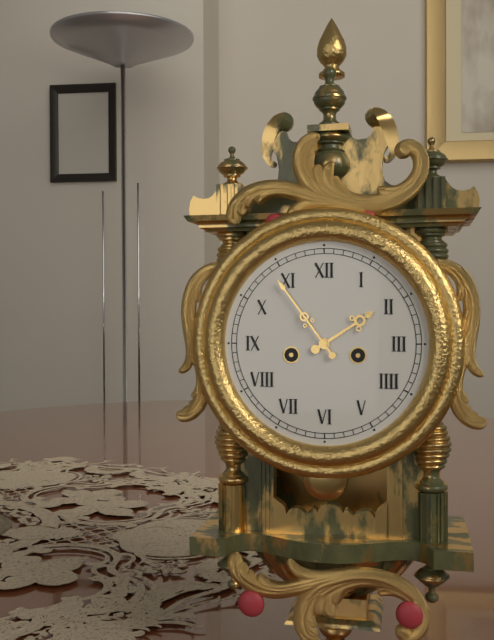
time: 1:54
